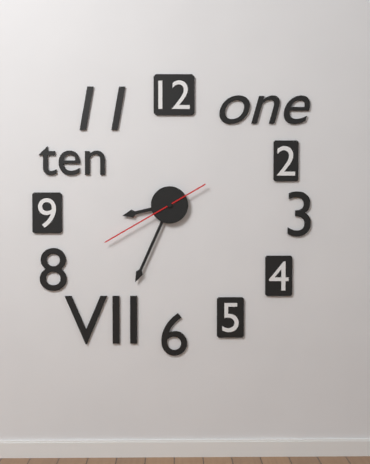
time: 8:34:40
